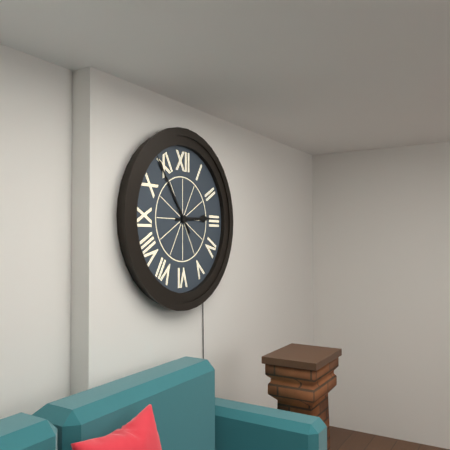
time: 2:54
